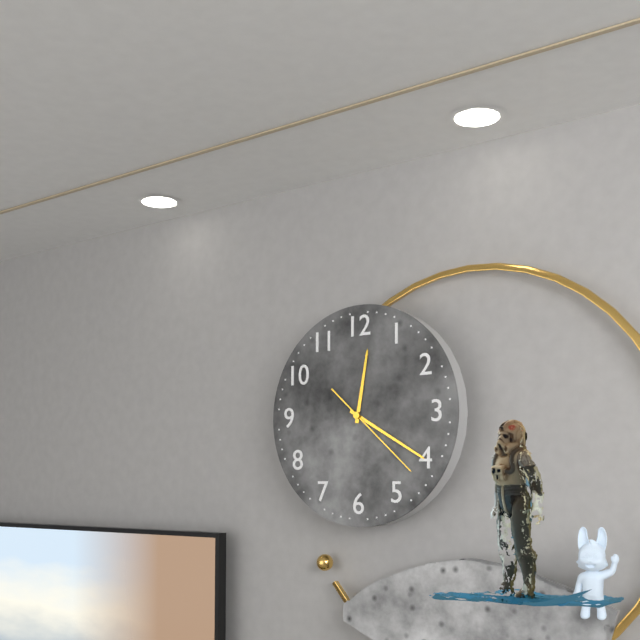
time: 12:20:22
